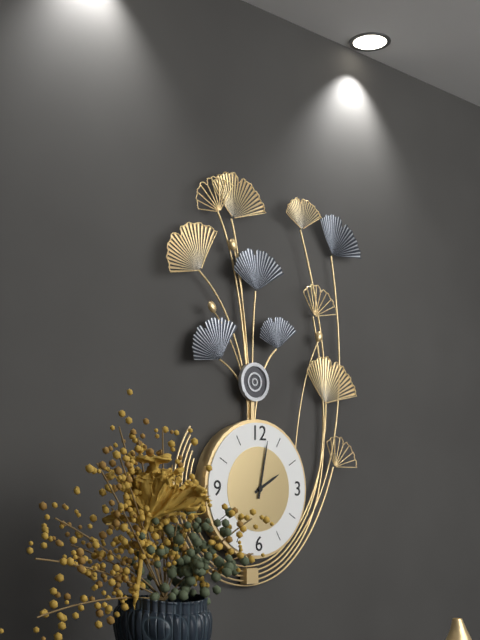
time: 2:02
